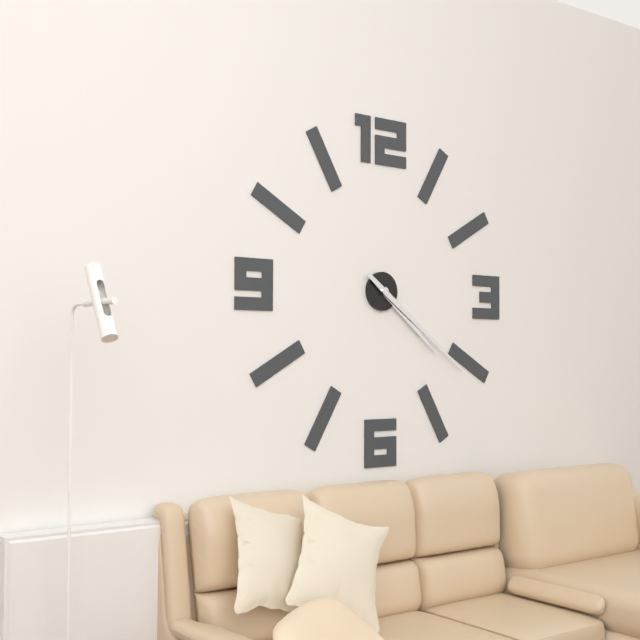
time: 4:21
